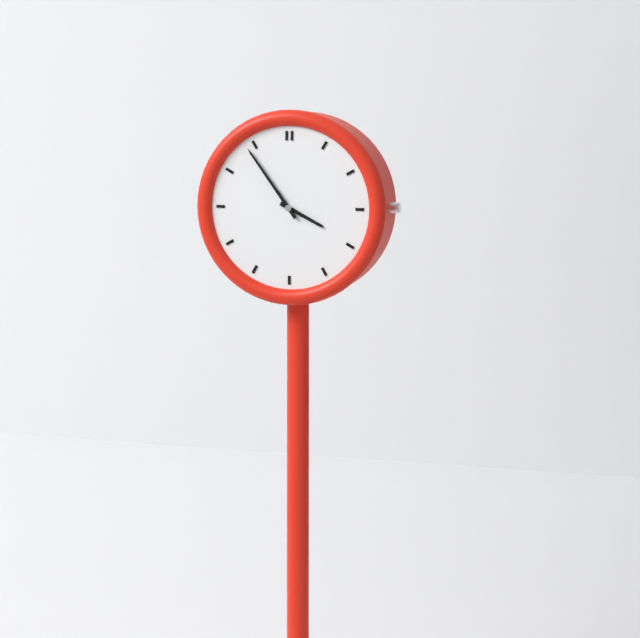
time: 3:54
